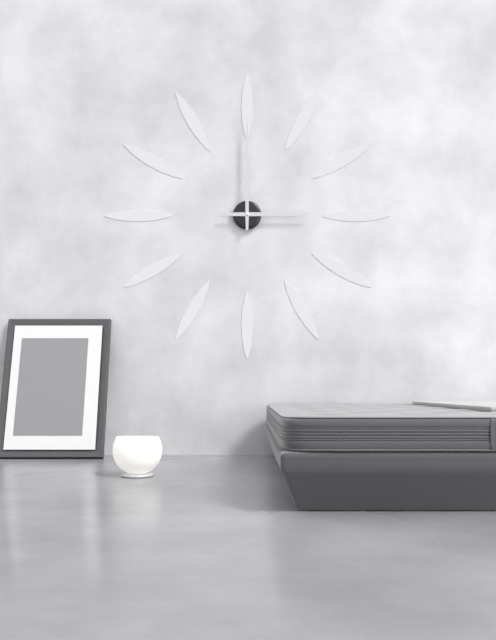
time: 3:00
